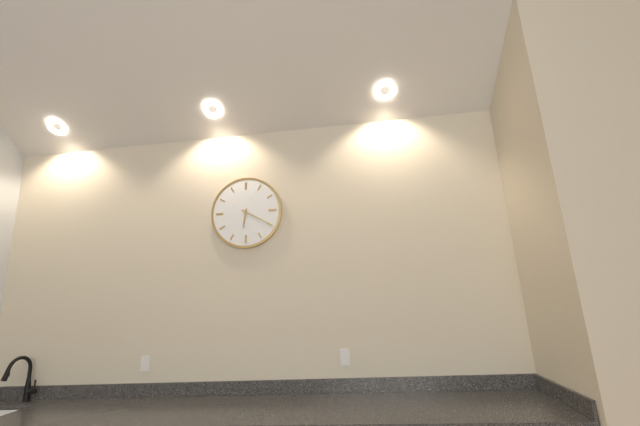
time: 6:20
